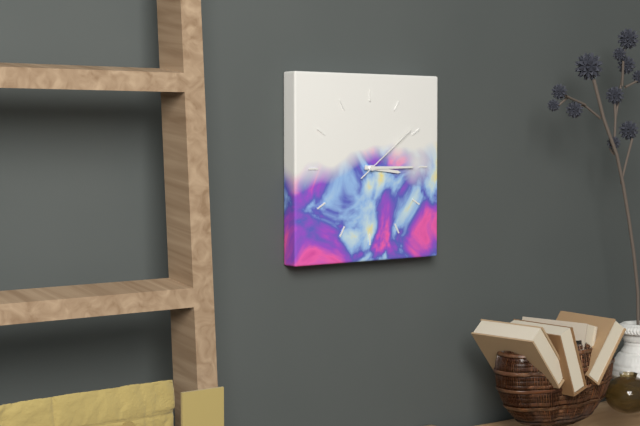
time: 3:15:09
